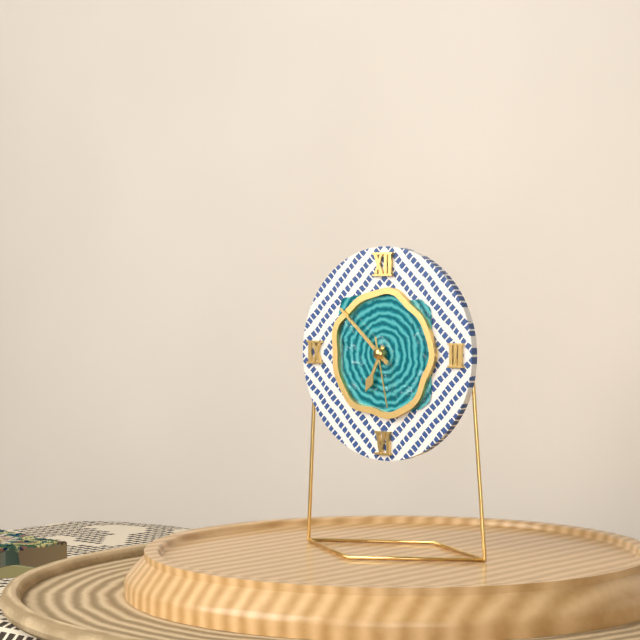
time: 6:52:28
